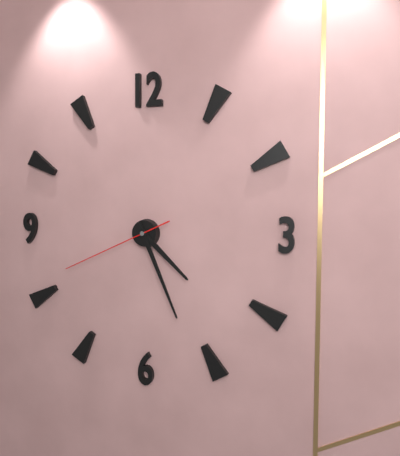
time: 4:26:41
